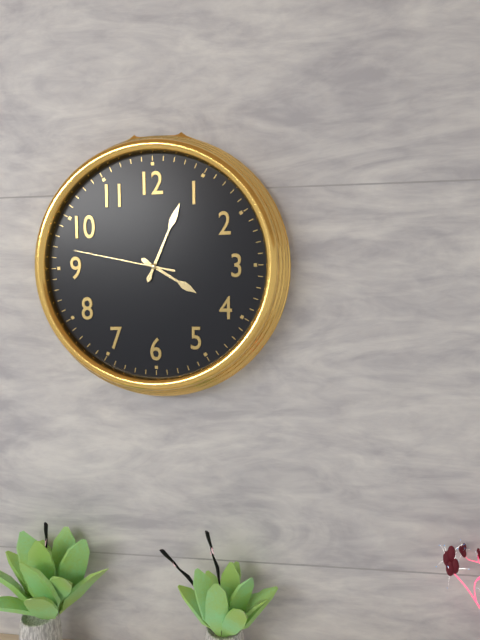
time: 4:04:47
